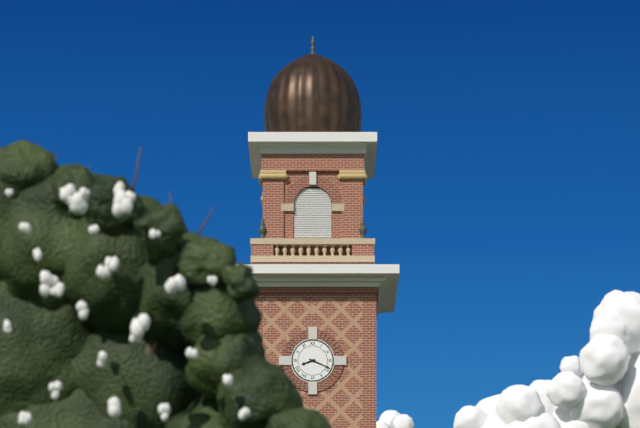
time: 8:19
